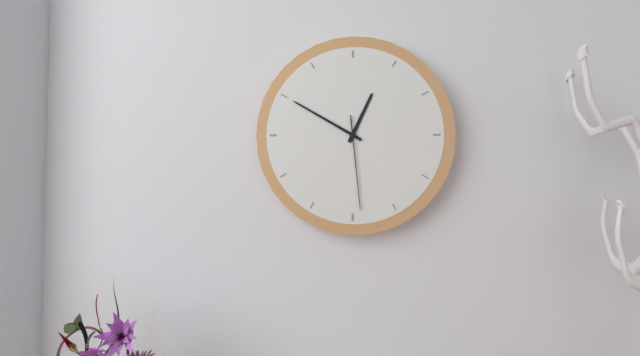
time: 12:50:29
